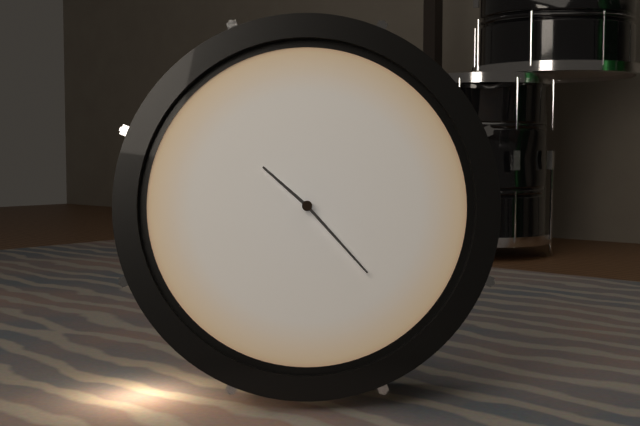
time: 10:23
